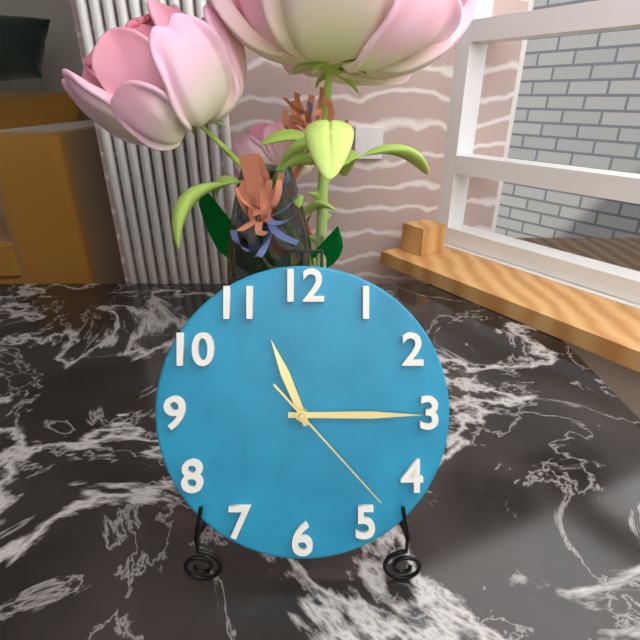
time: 11:15:23
